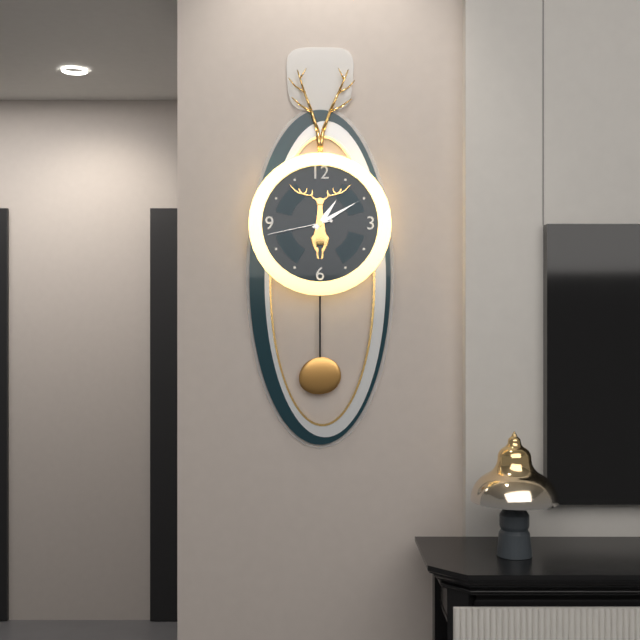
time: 1:10:43
